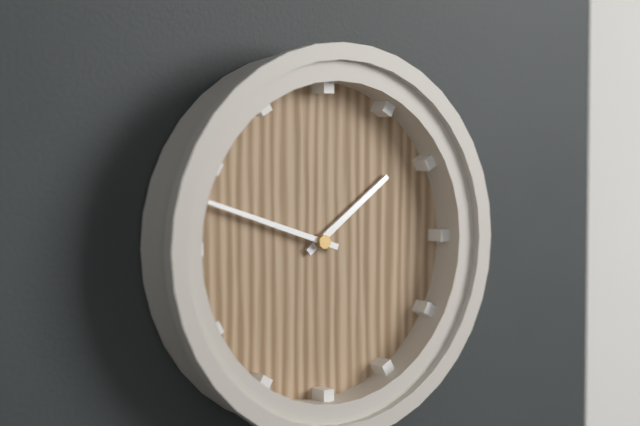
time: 1:48
